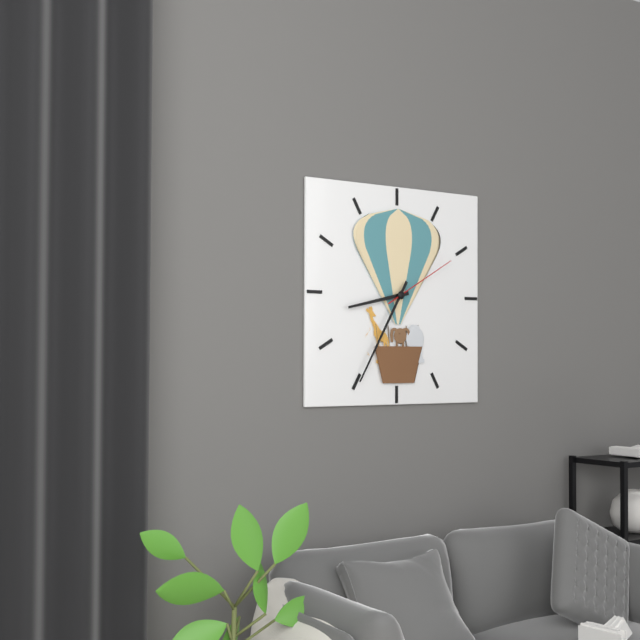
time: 8:35:10
